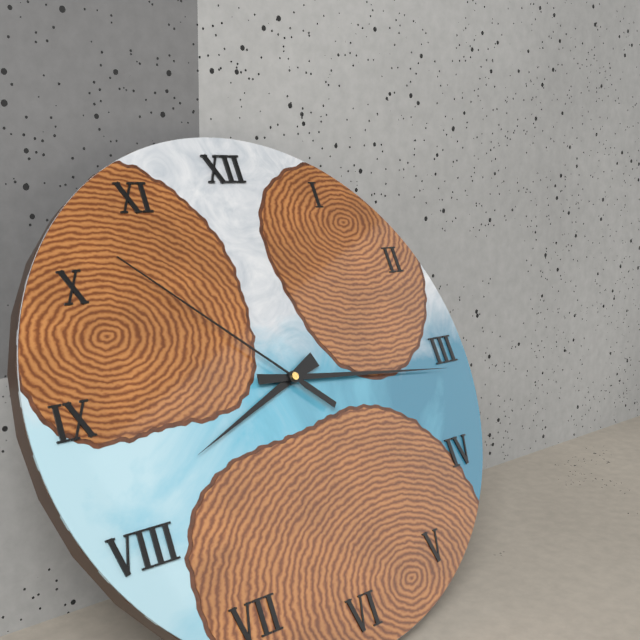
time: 8:16:52
